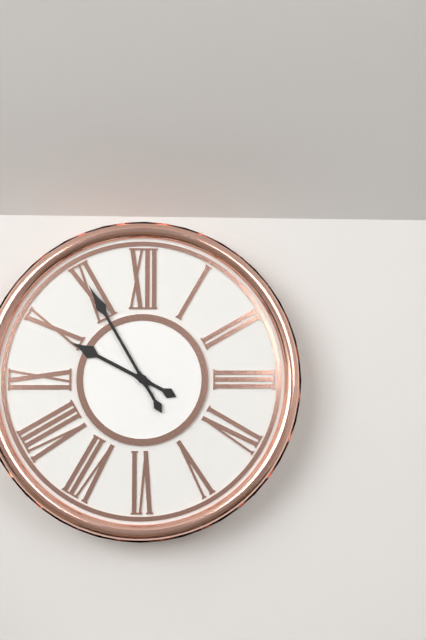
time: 9:55
